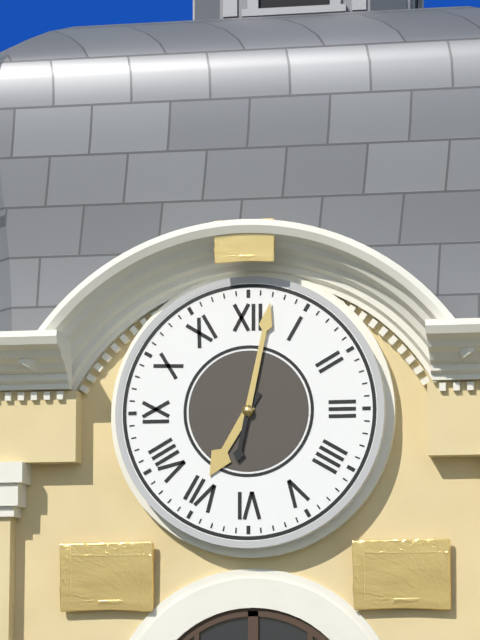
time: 7:02
